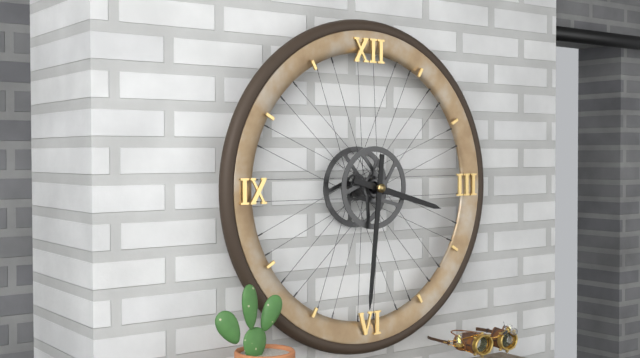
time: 3:31
